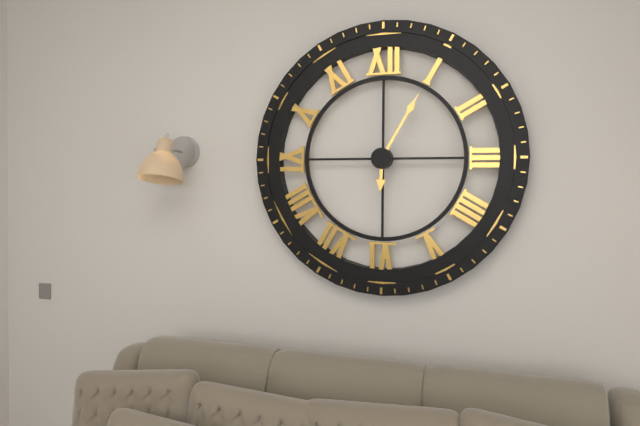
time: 6:05
